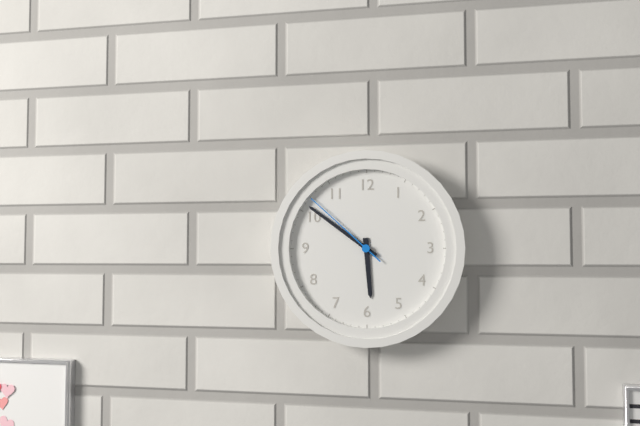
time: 5:51:52
